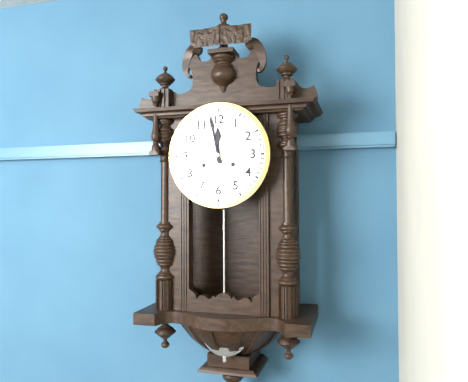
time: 11:58
